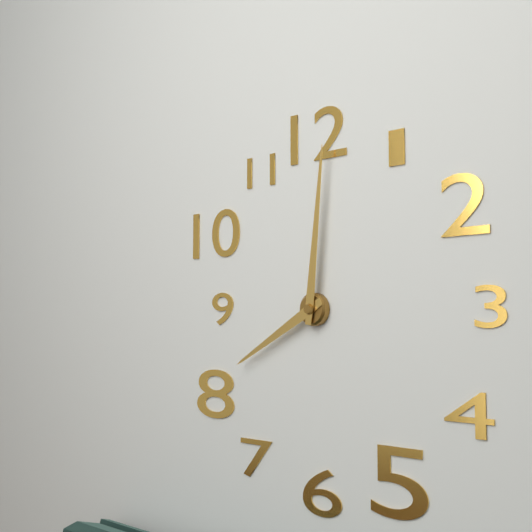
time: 8:01
